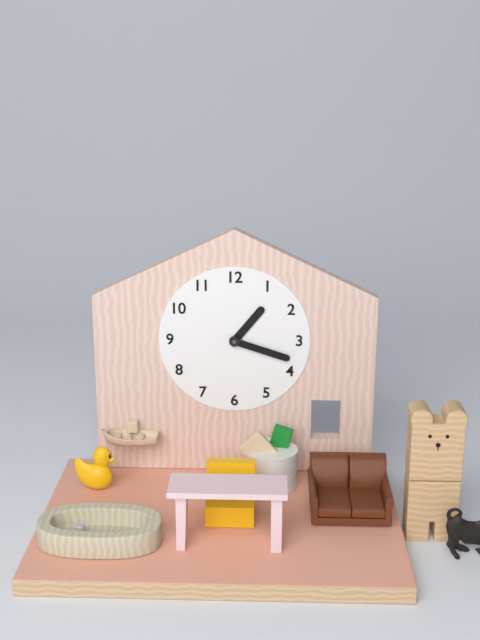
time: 1:18
